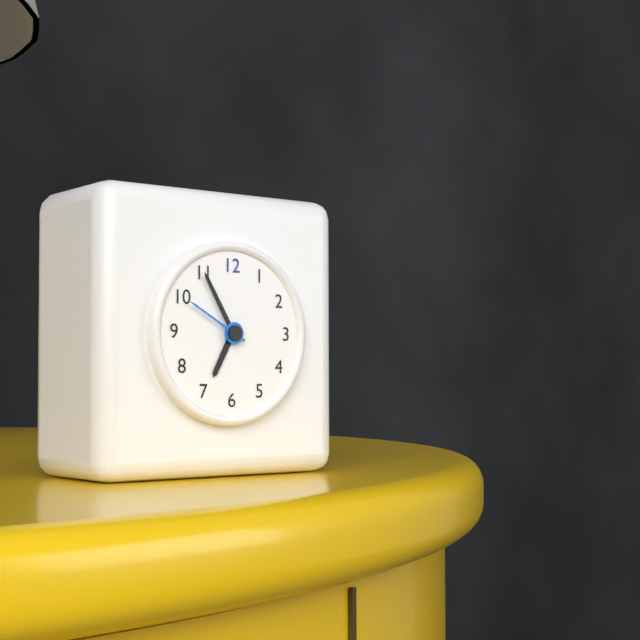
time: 6:55:50
